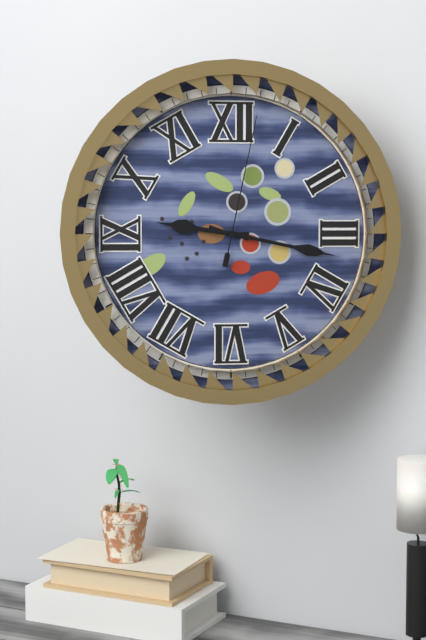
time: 9:17:02
